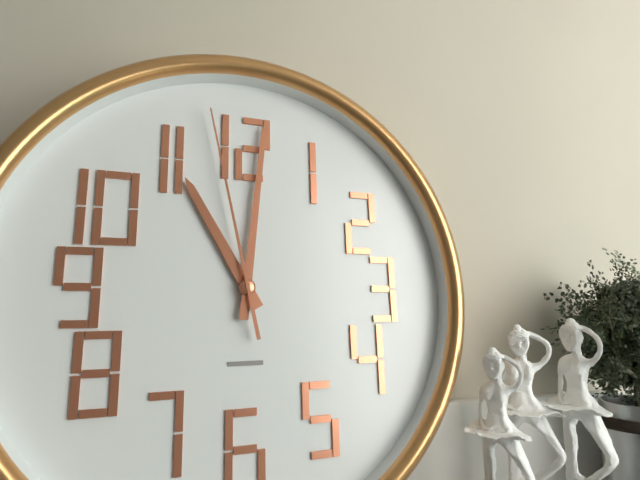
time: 11:01:58
